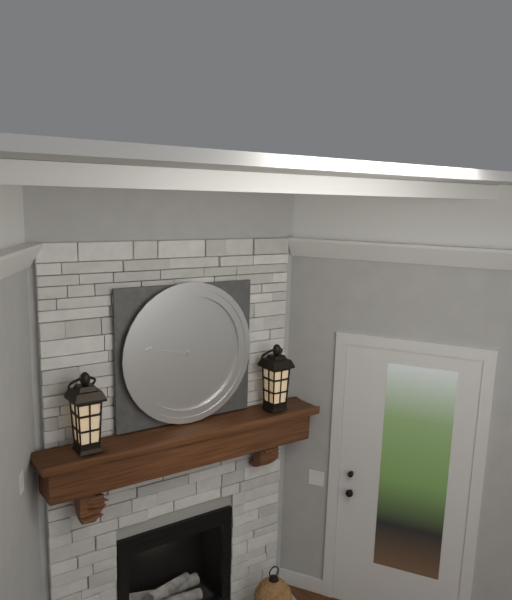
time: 7:47
